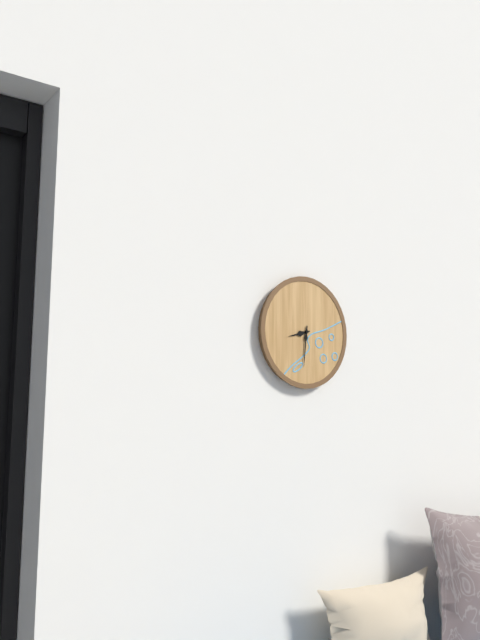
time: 8:31
